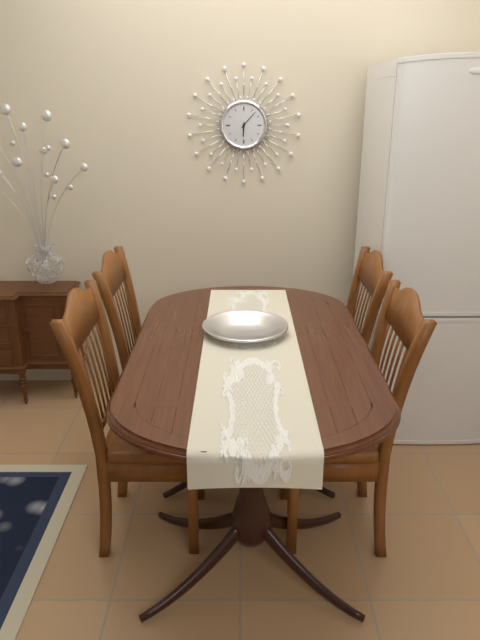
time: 6:07
